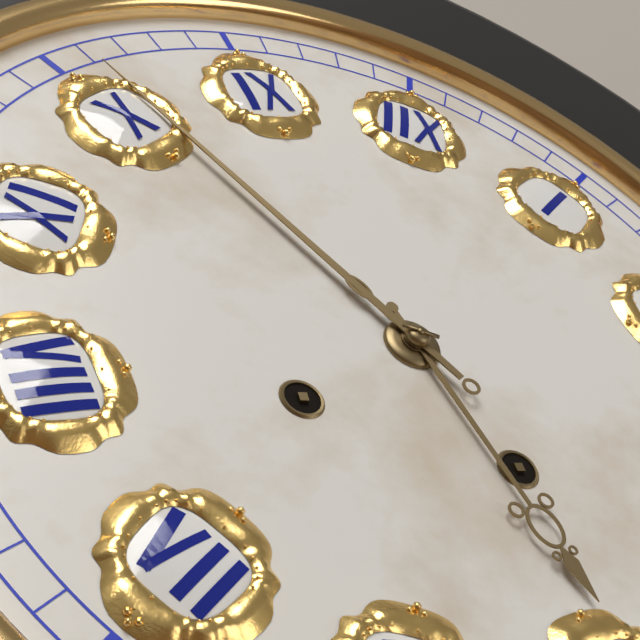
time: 4:51
